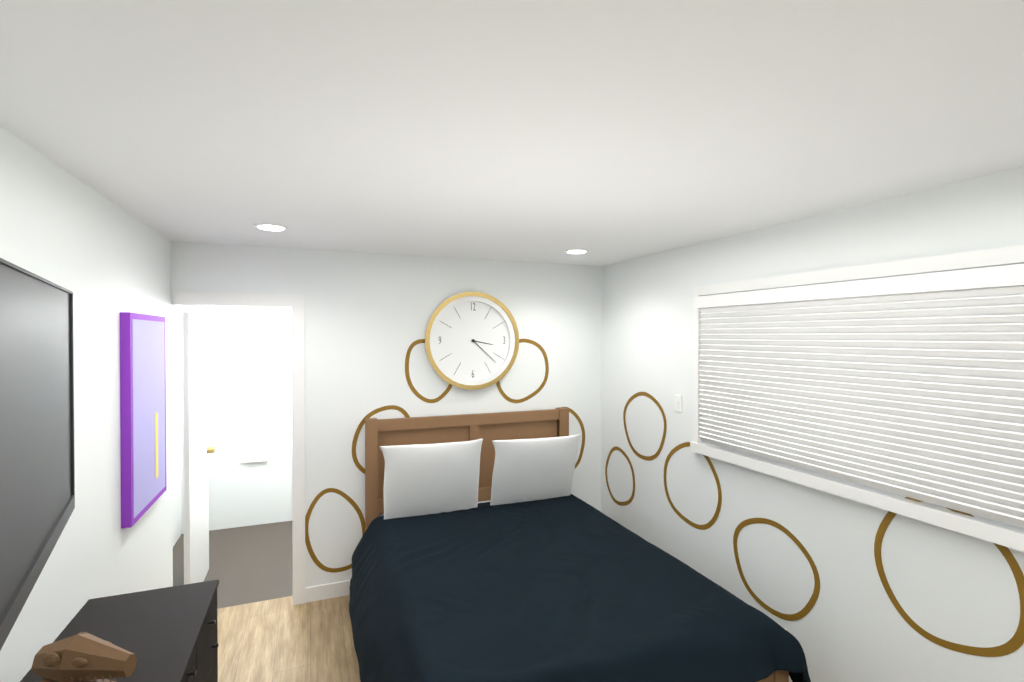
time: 3:22
